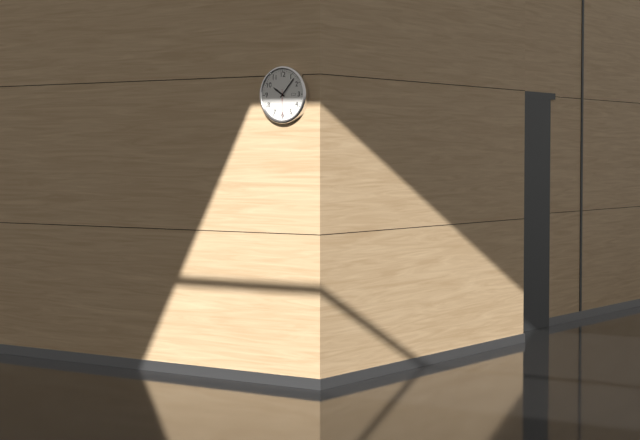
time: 10:07
